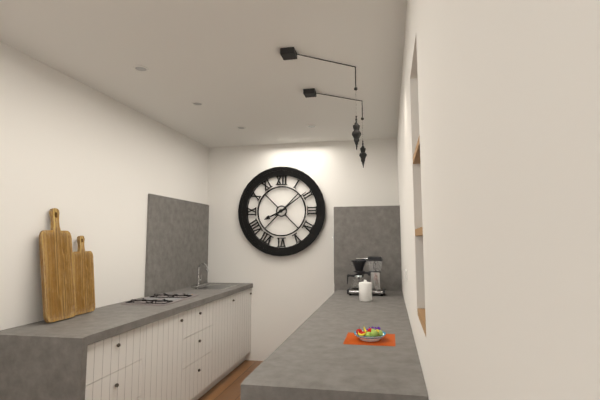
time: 8:09
